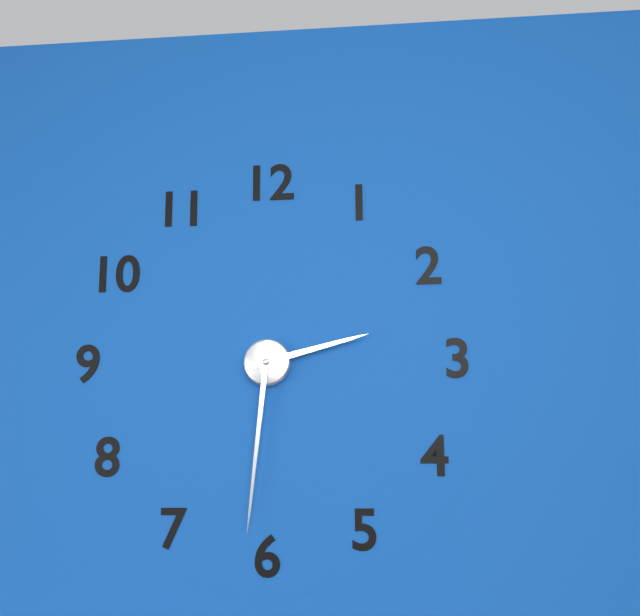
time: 2:31
